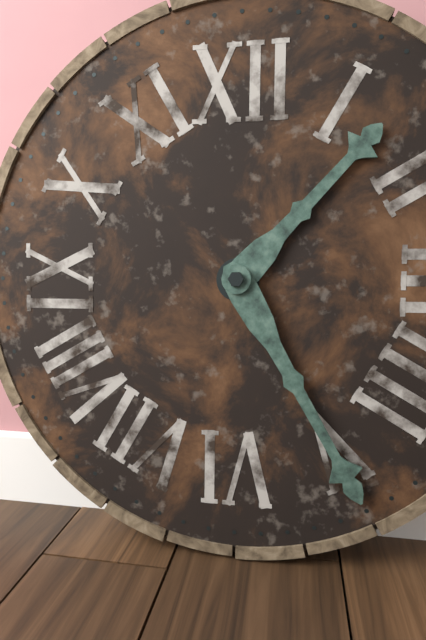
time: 1:25
